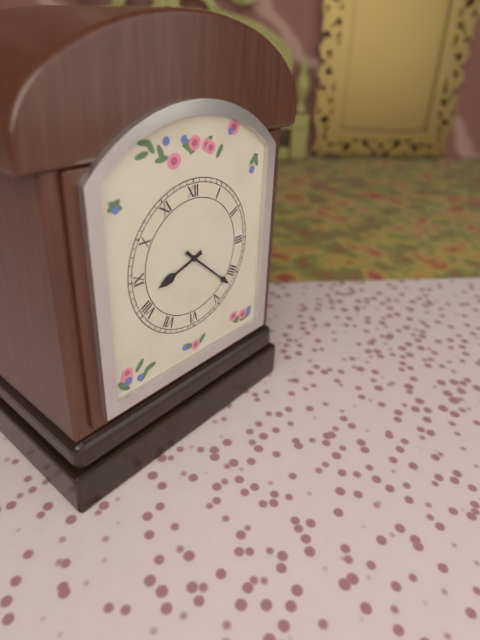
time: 8:22
